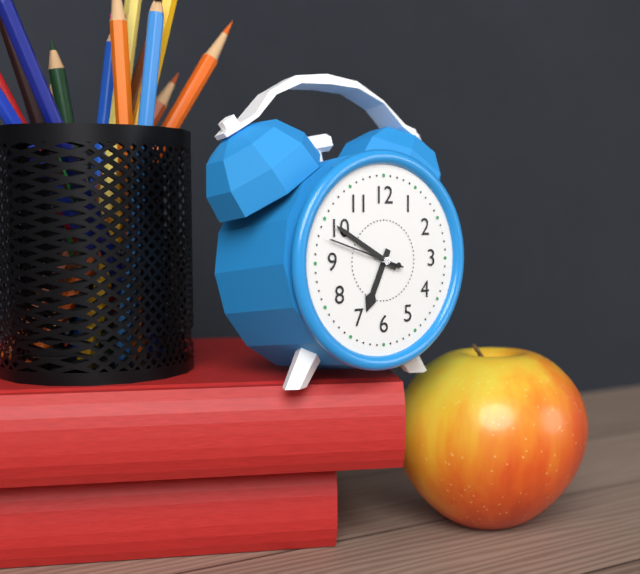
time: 6:50:48
